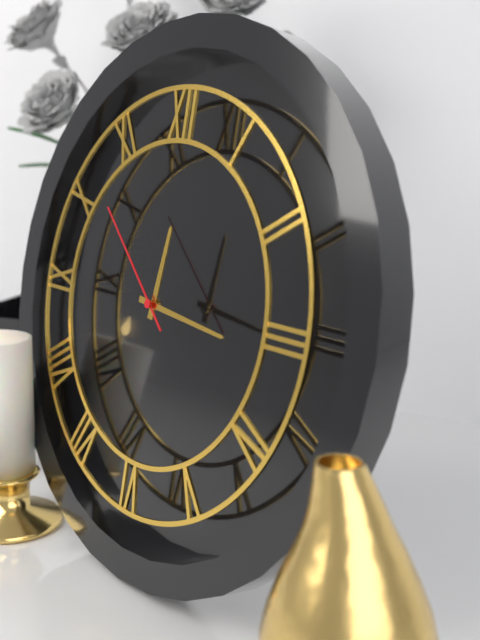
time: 12:16:52
